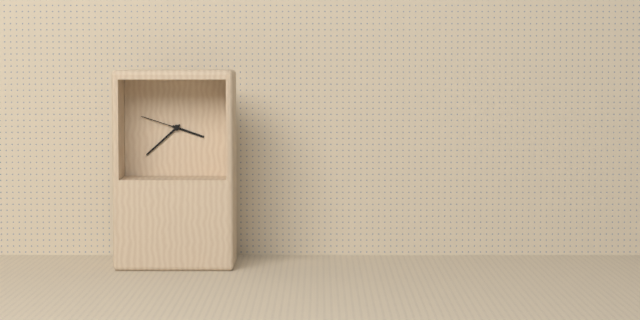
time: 3:38
